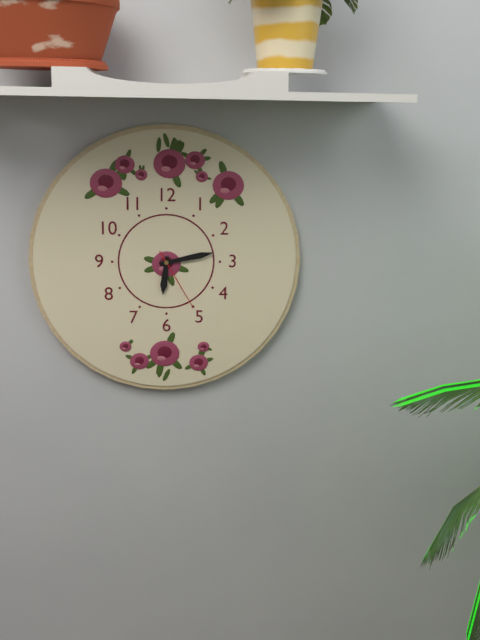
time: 6:13:25
